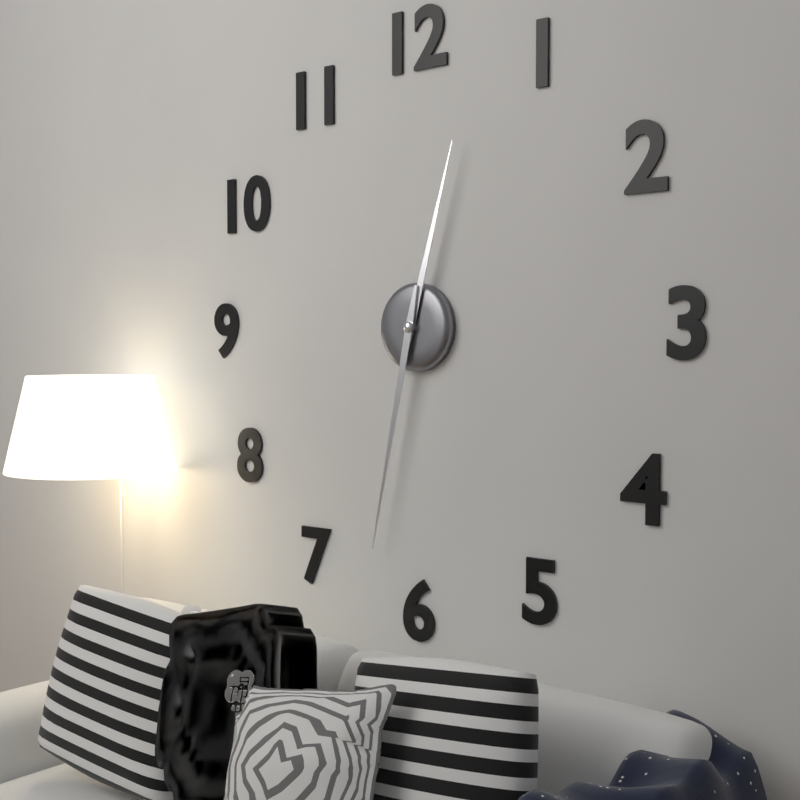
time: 12:32
